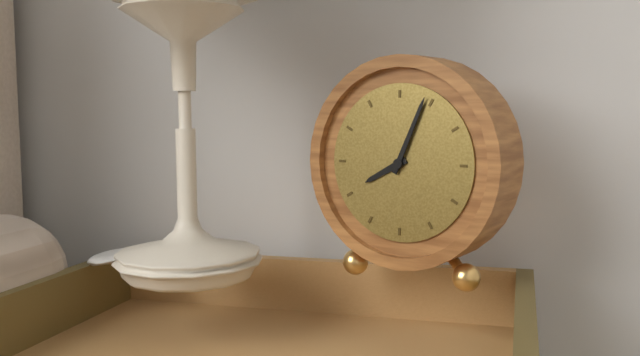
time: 8:04
